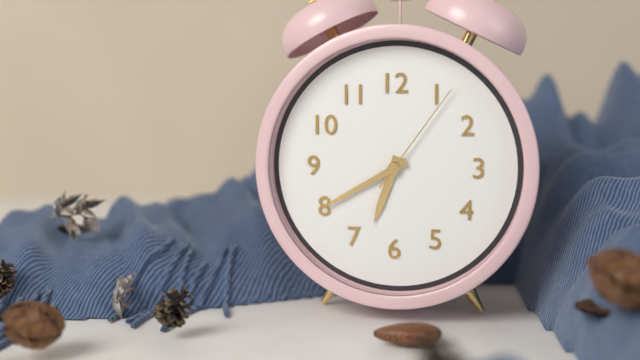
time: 6:40:06
